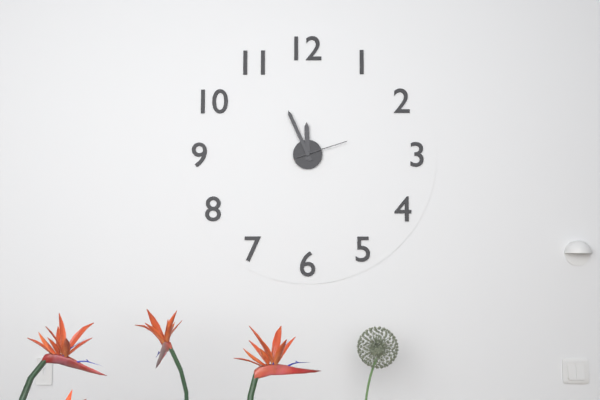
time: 11:56:12
